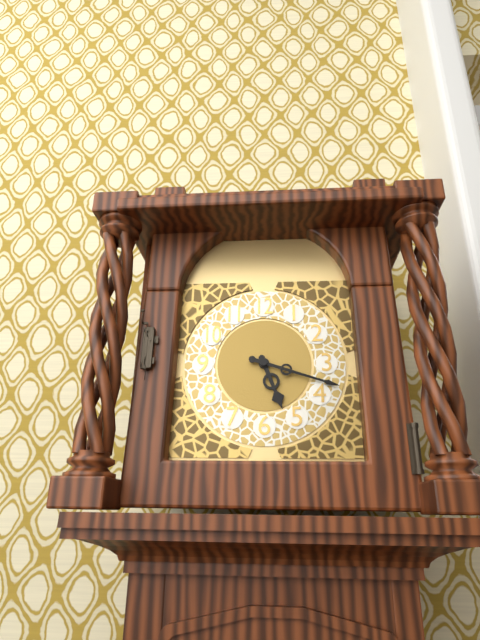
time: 5:18
